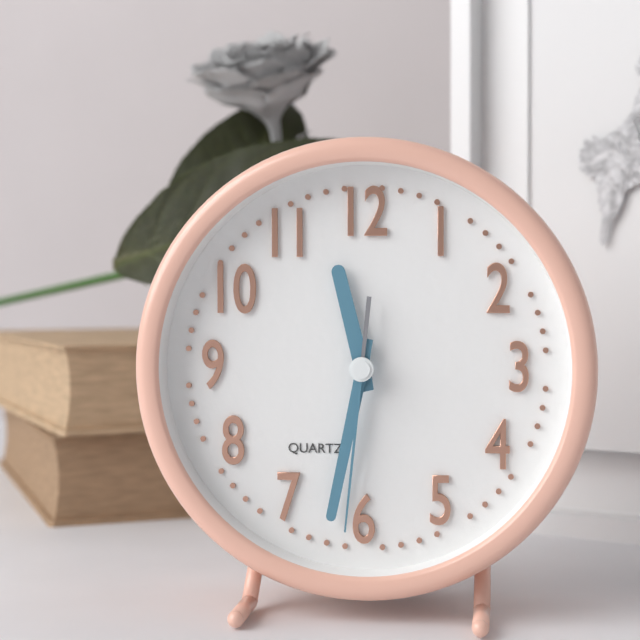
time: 11:32:31
